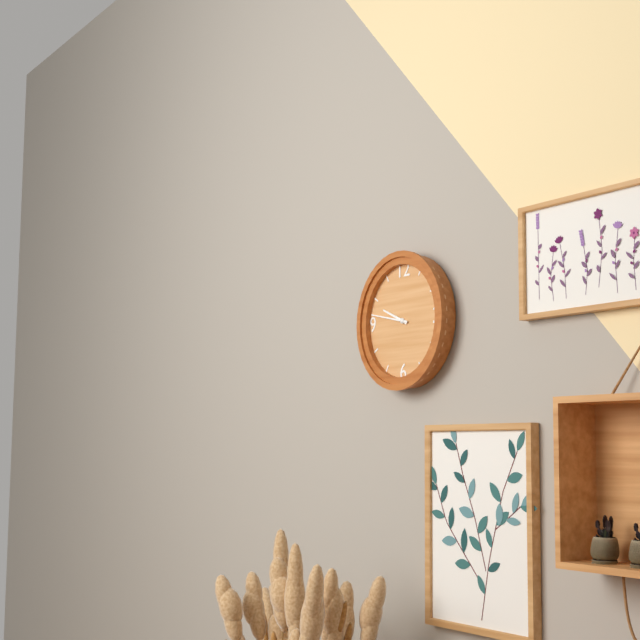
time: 9:47
